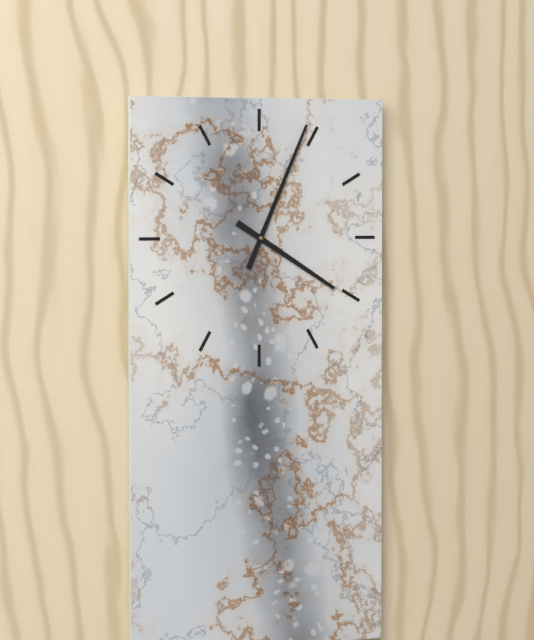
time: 4:04
